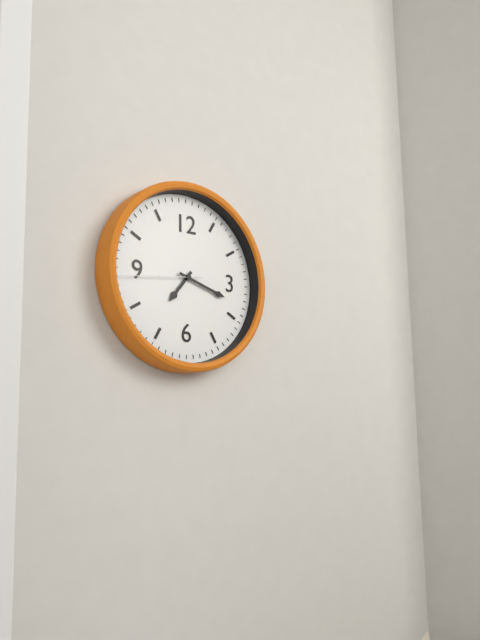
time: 7:18:44
